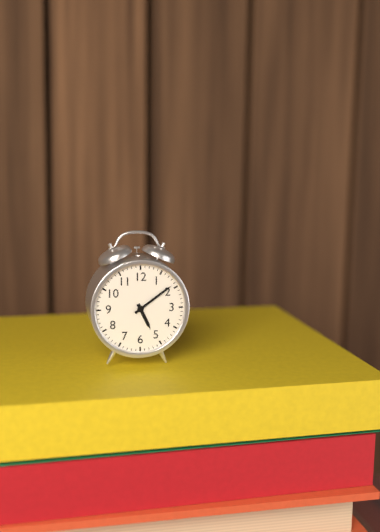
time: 5:09
